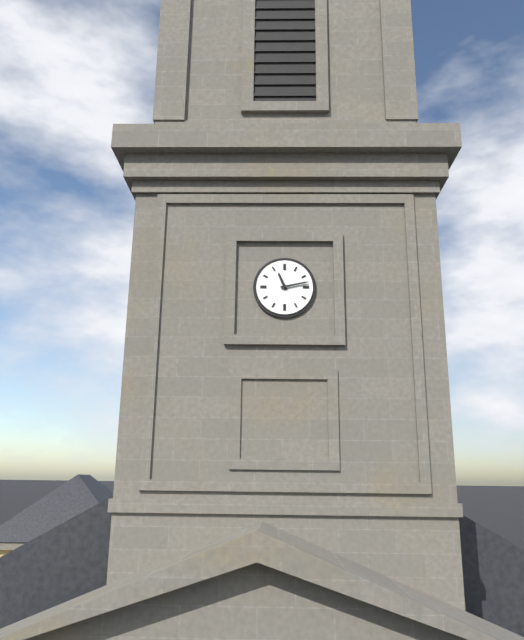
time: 11:13
